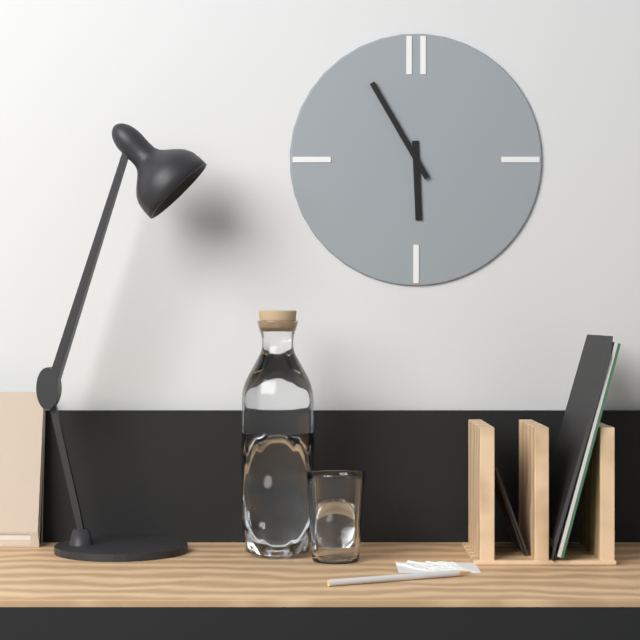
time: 5:55
